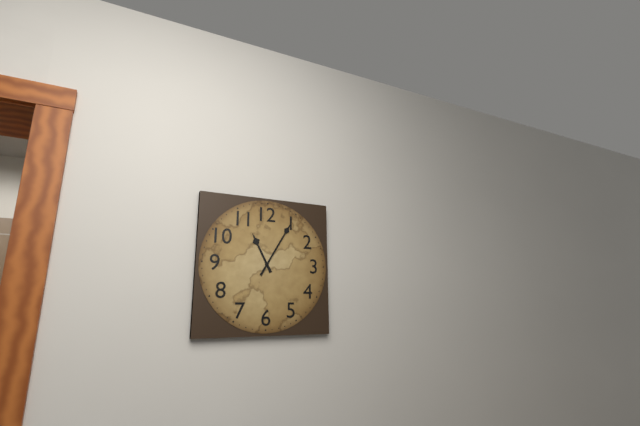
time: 11:05
